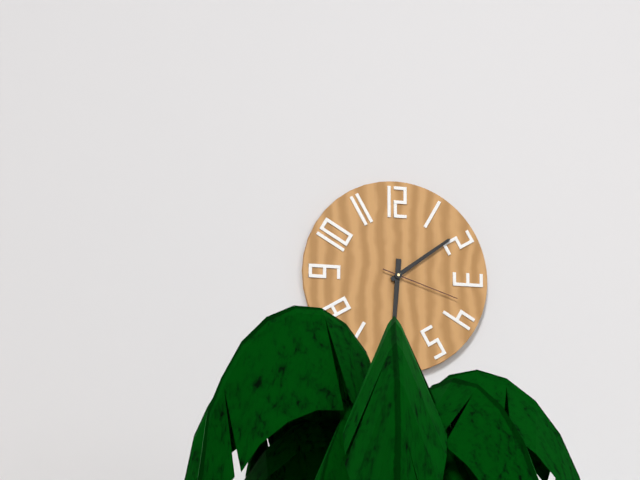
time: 6:09:18
